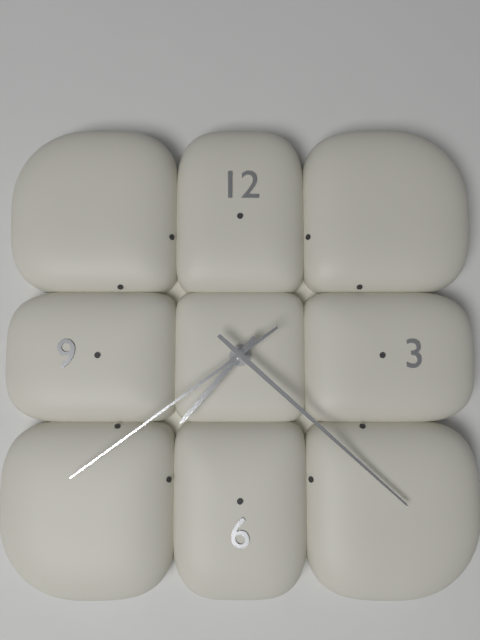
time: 7:22:39
